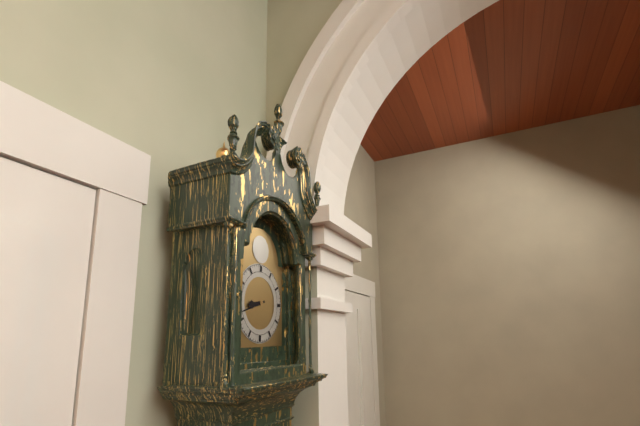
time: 8:42
